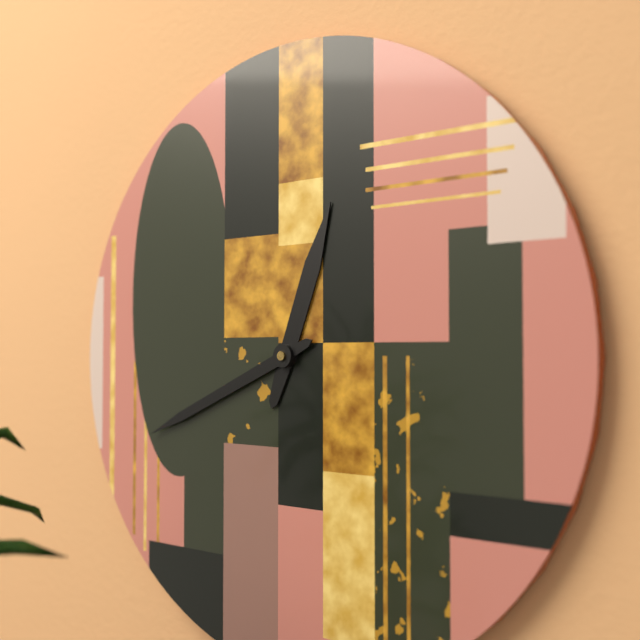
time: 12:41
